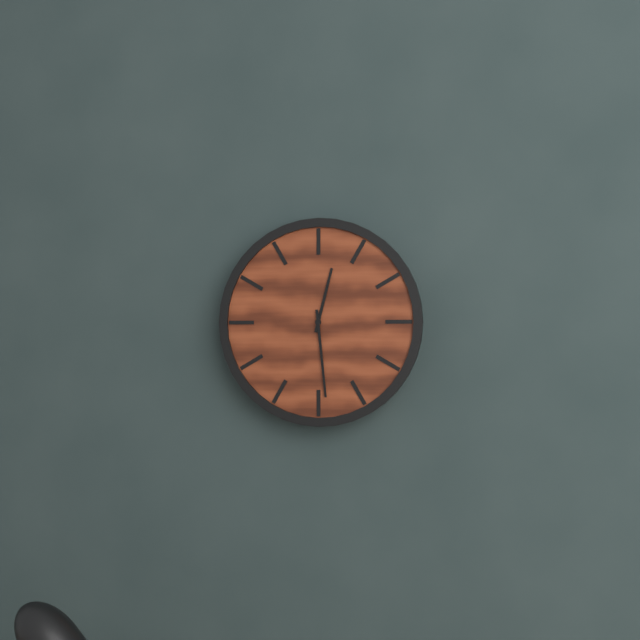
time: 12:29
